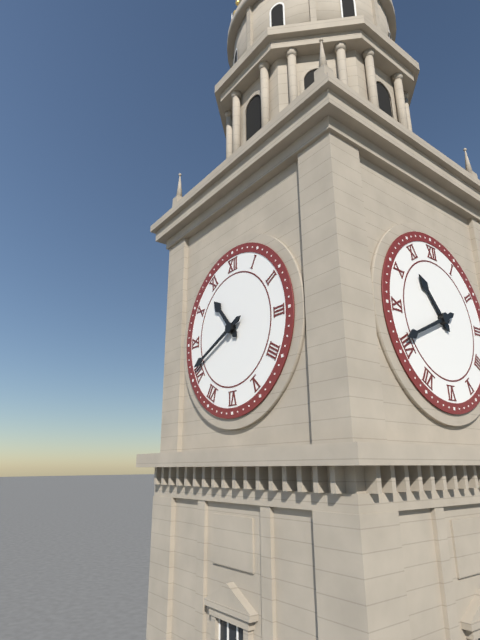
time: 10:41
